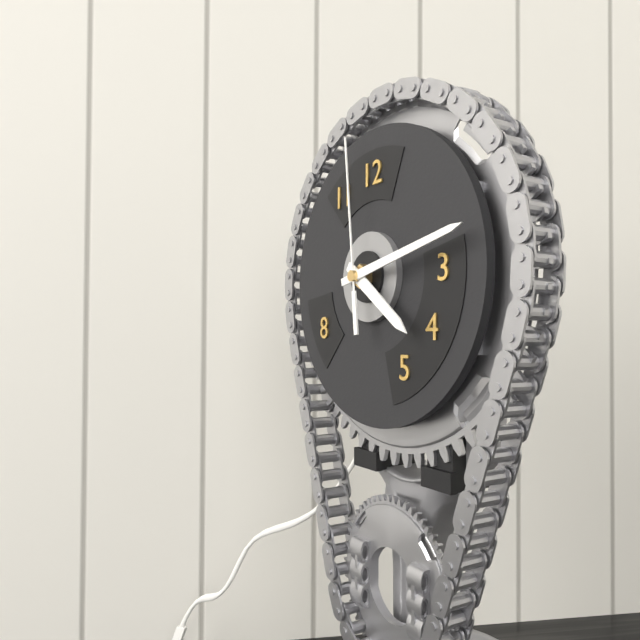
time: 4:13:59
